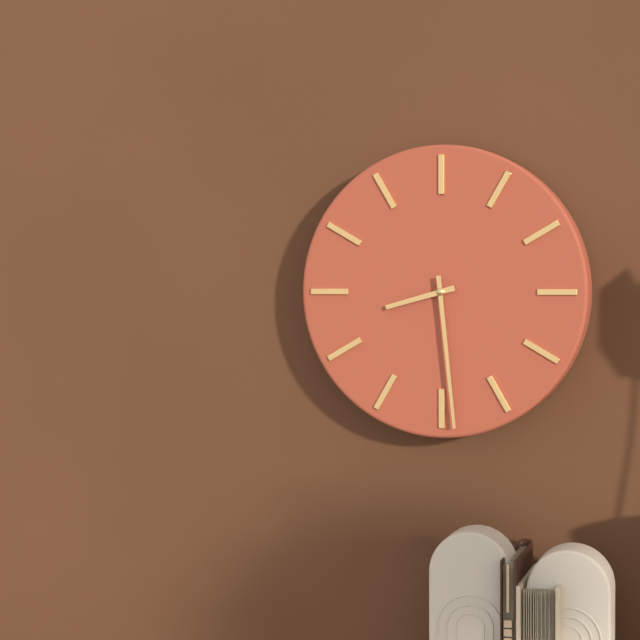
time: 8:29
